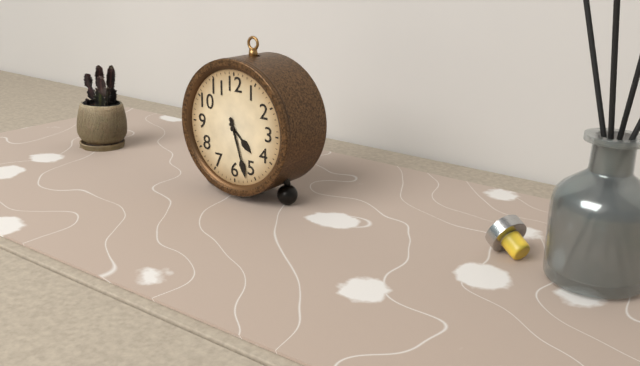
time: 4:27
